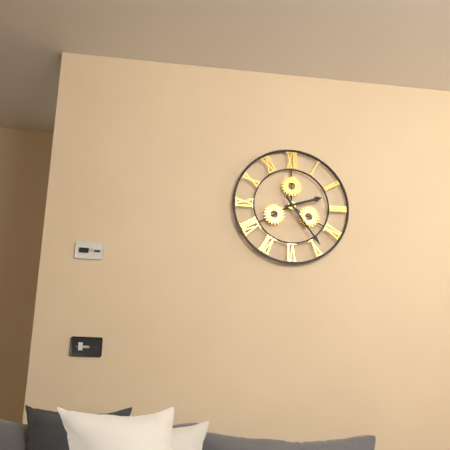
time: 2:24
